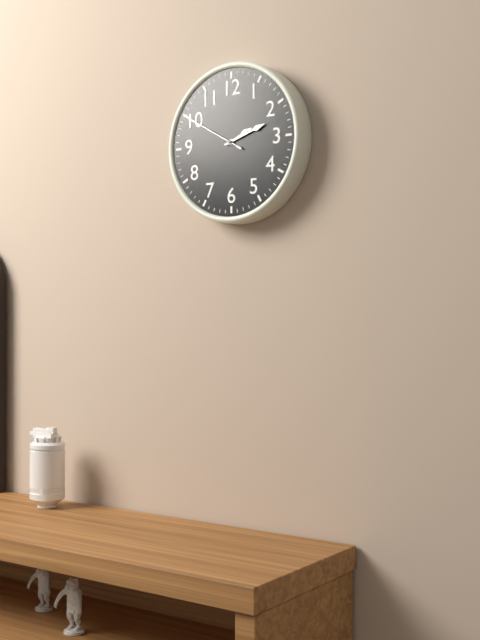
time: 2:12:50
